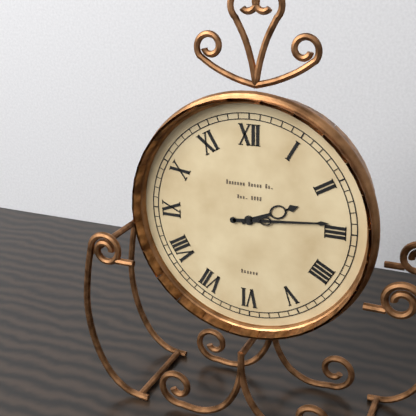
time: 2:14
